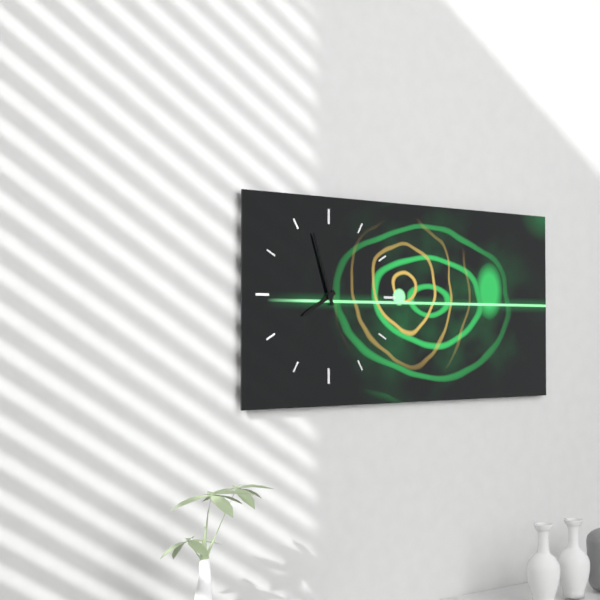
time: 7:57
